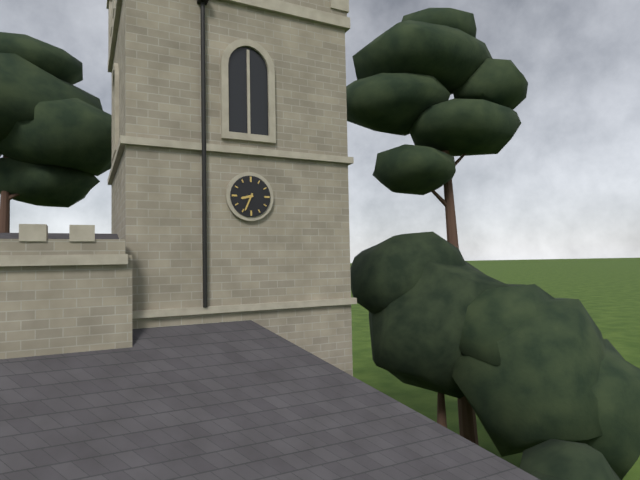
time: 8:34
